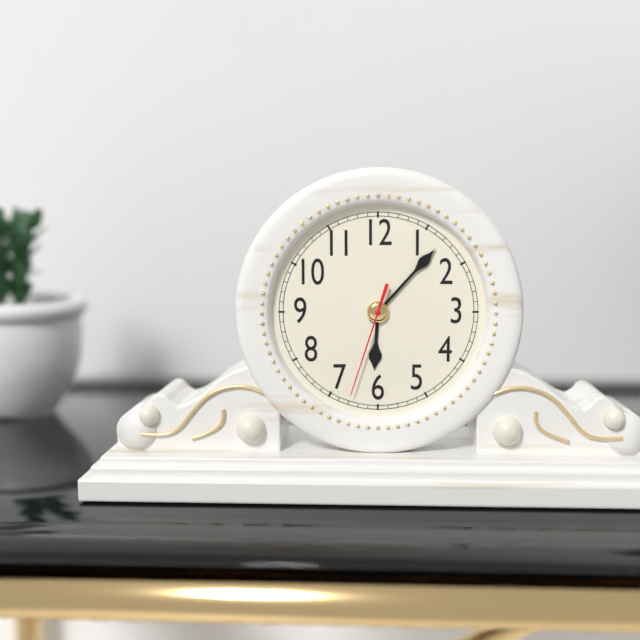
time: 6:07:33
